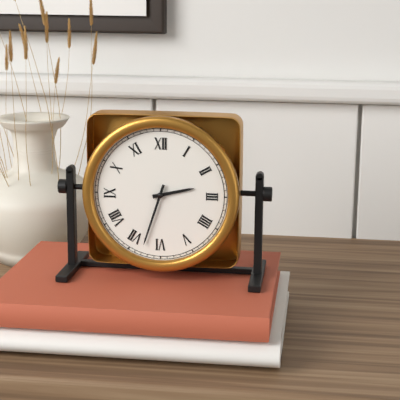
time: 2:33
